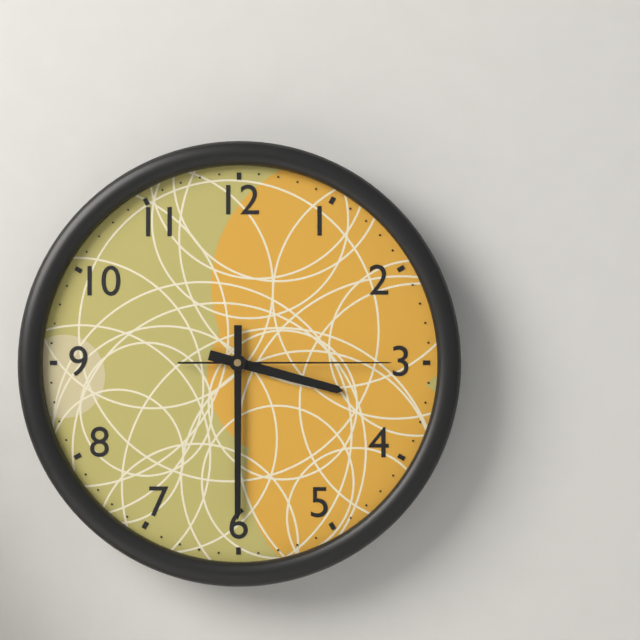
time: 3:30:15
